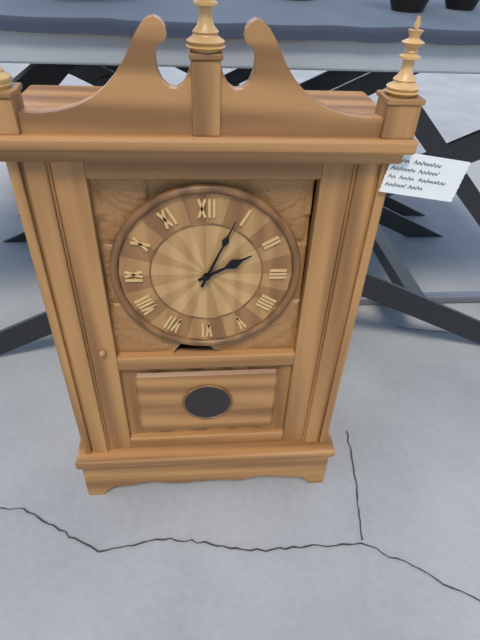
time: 2:04
